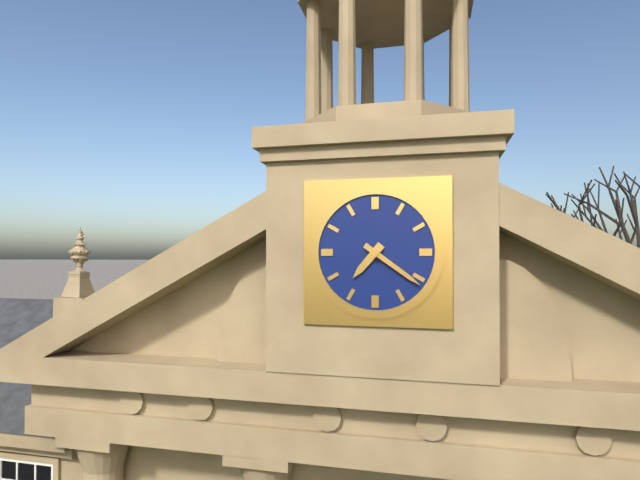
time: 7:21
